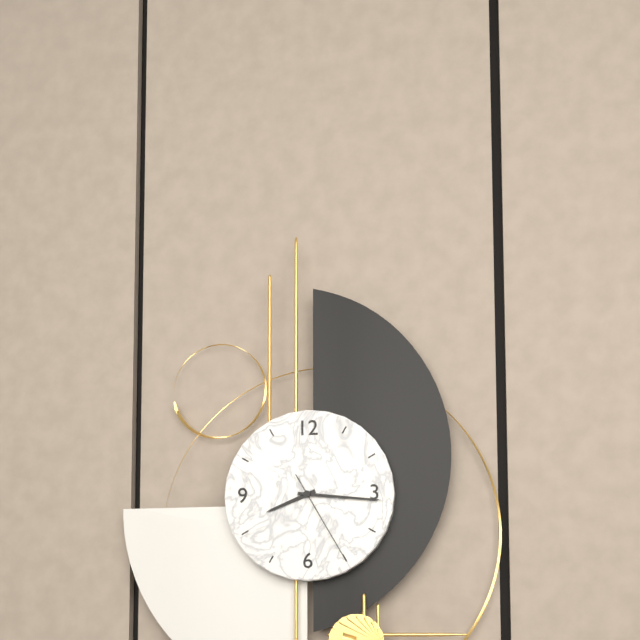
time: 8:16:25
